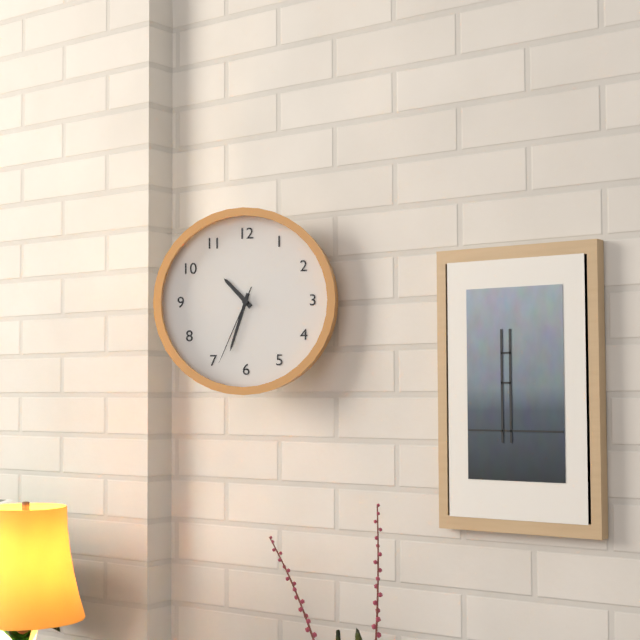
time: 10:33:34
